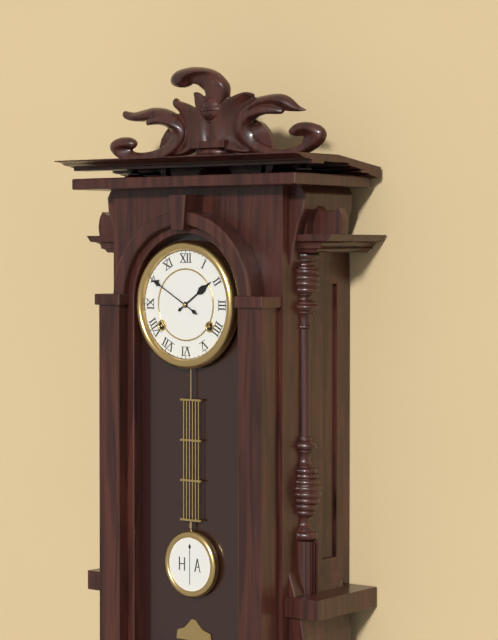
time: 1:50
